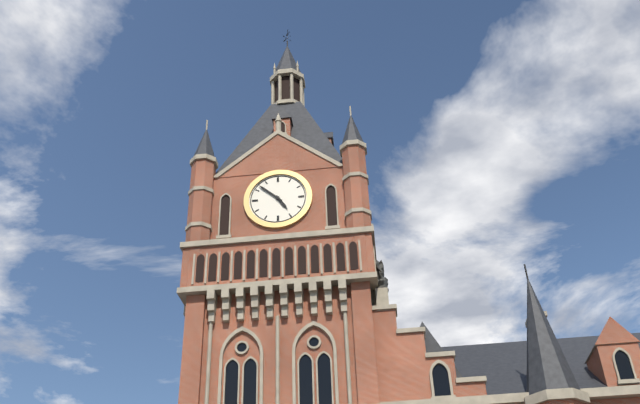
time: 4:52
